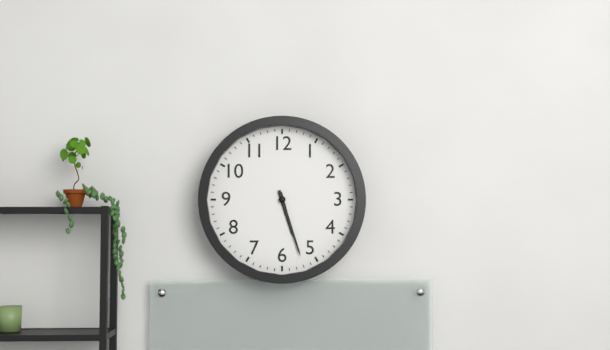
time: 5:27
